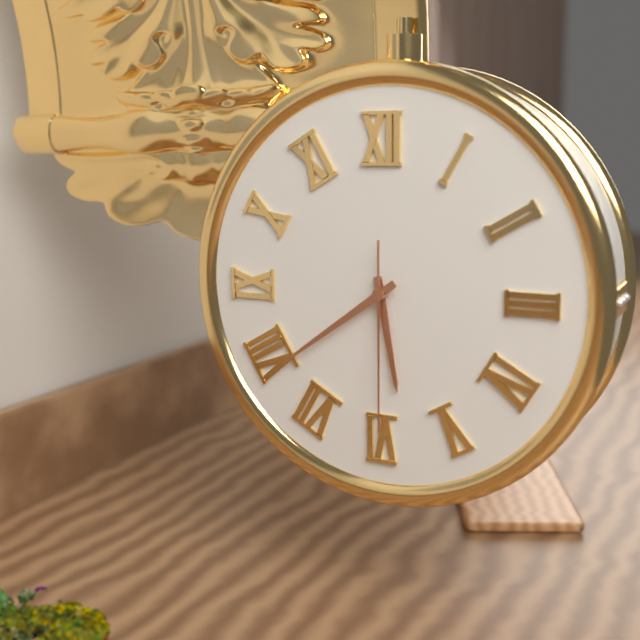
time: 5:39:30
